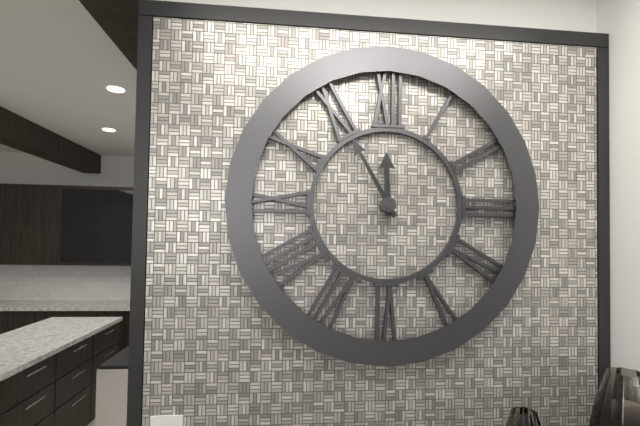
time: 11:55
